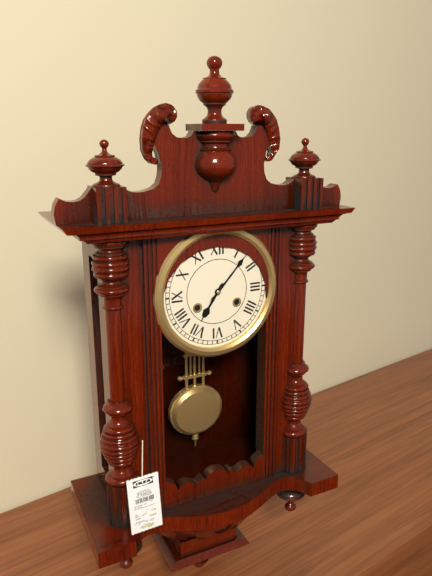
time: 7:07
